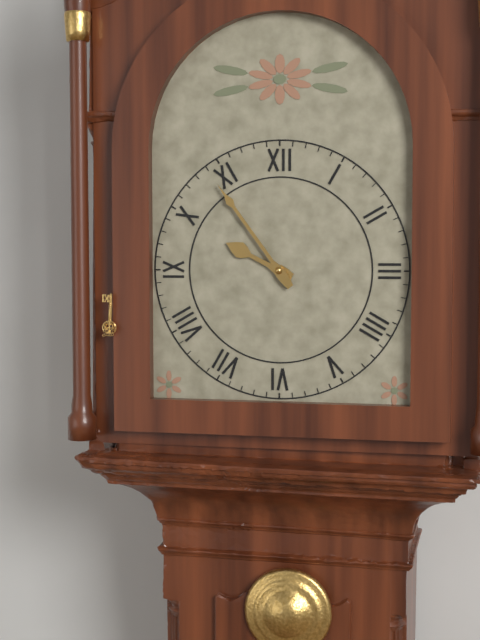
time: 9:54
